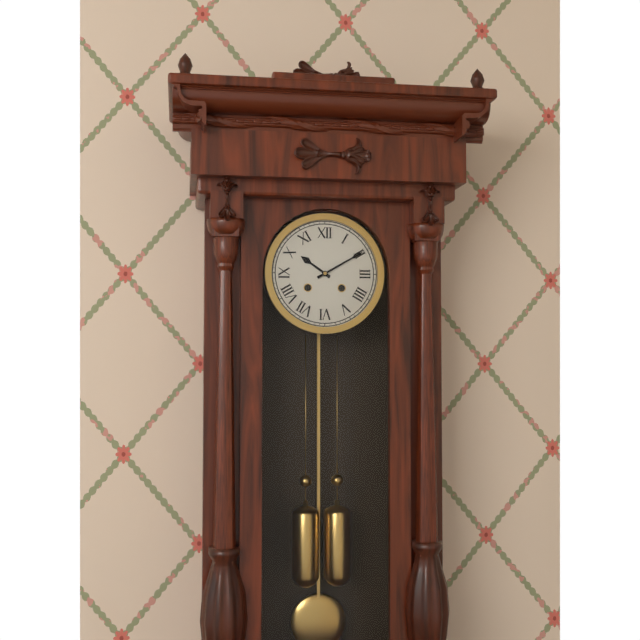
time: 10:10
